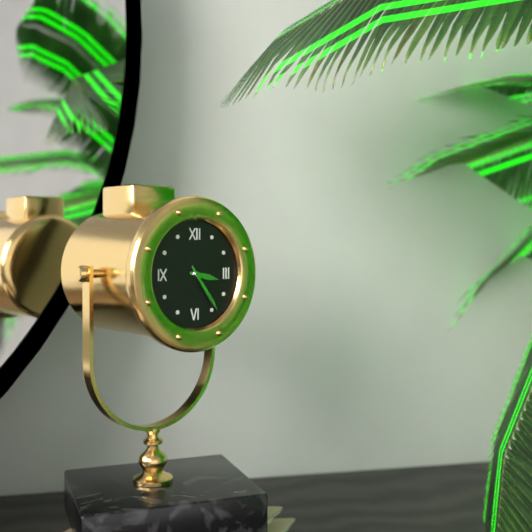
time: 3:24
